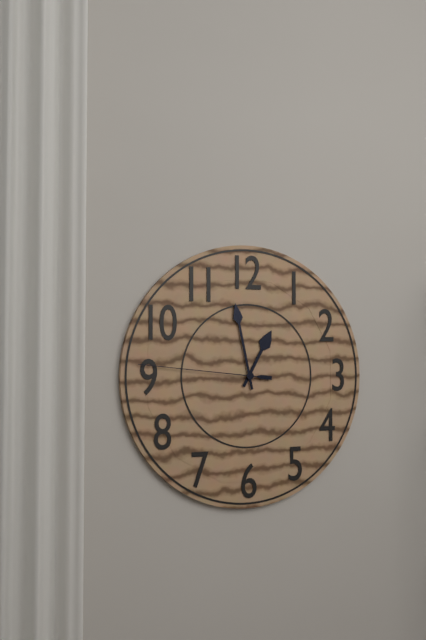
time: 12:58:46
